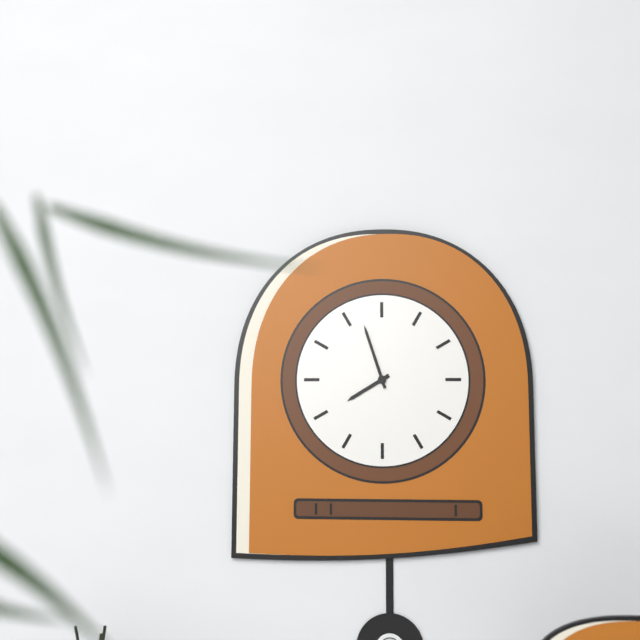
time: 7:57
